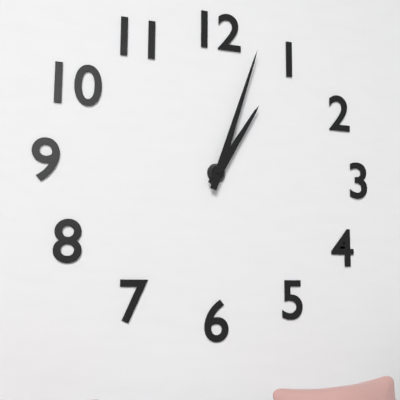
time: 1:03
